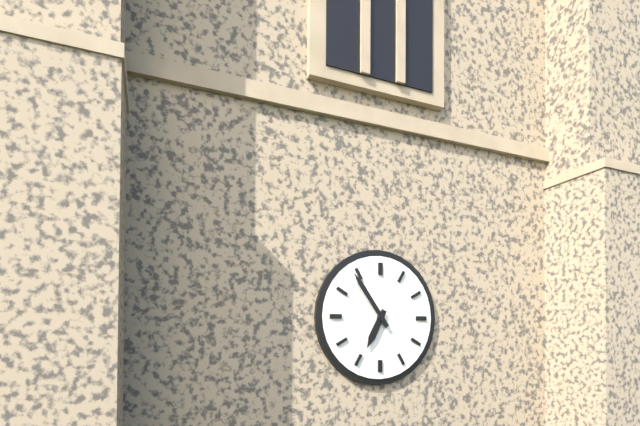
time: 6:54
